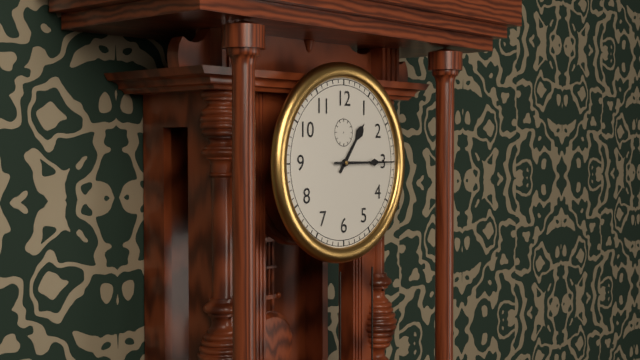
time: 1:15
